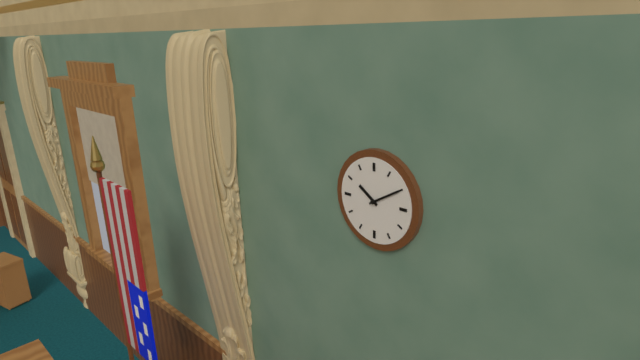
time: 10:10
